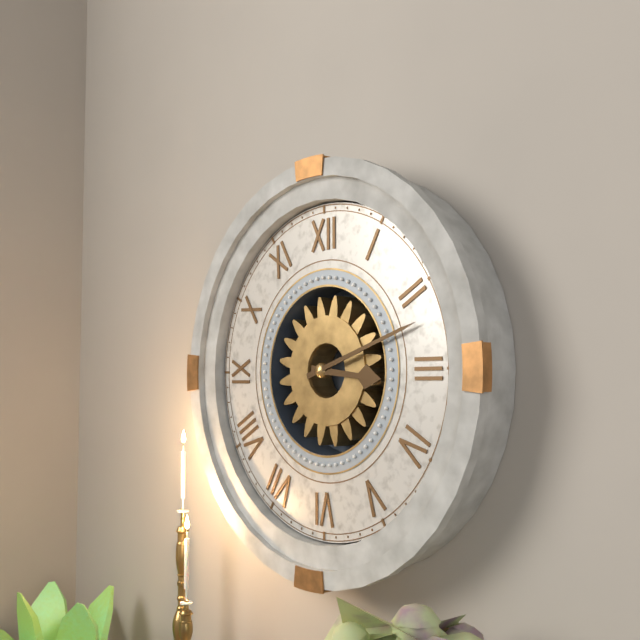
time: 3:12
